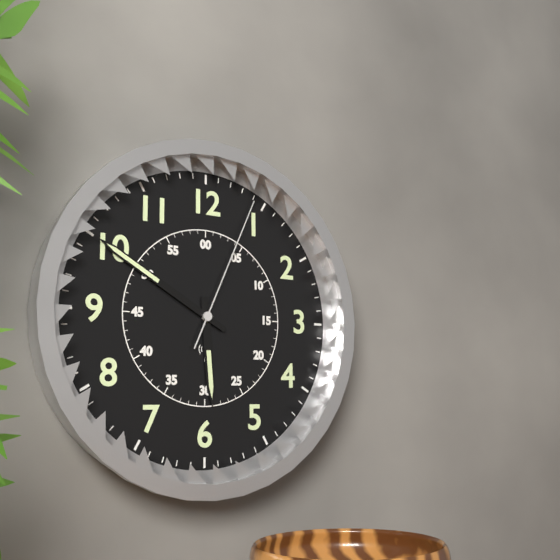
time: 5:50:04
